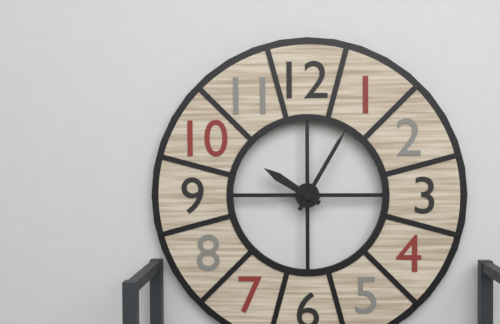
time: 10:05
